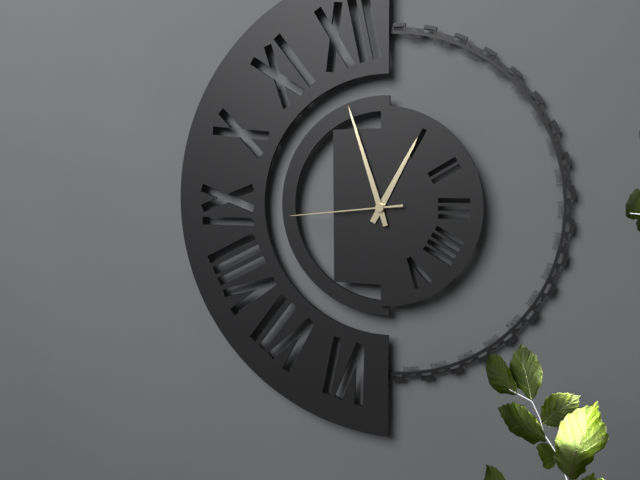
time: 12:57:44
